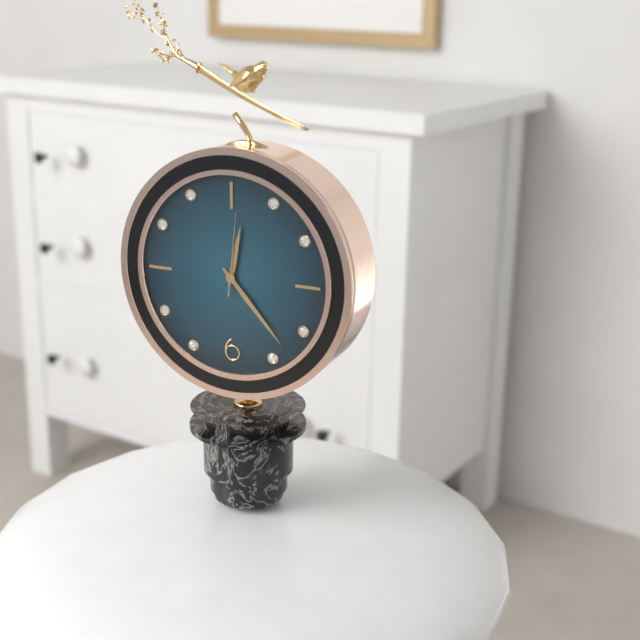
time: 12:23:01
